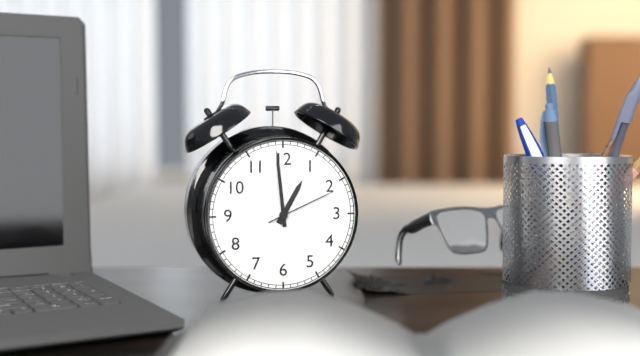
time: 12:59:11
